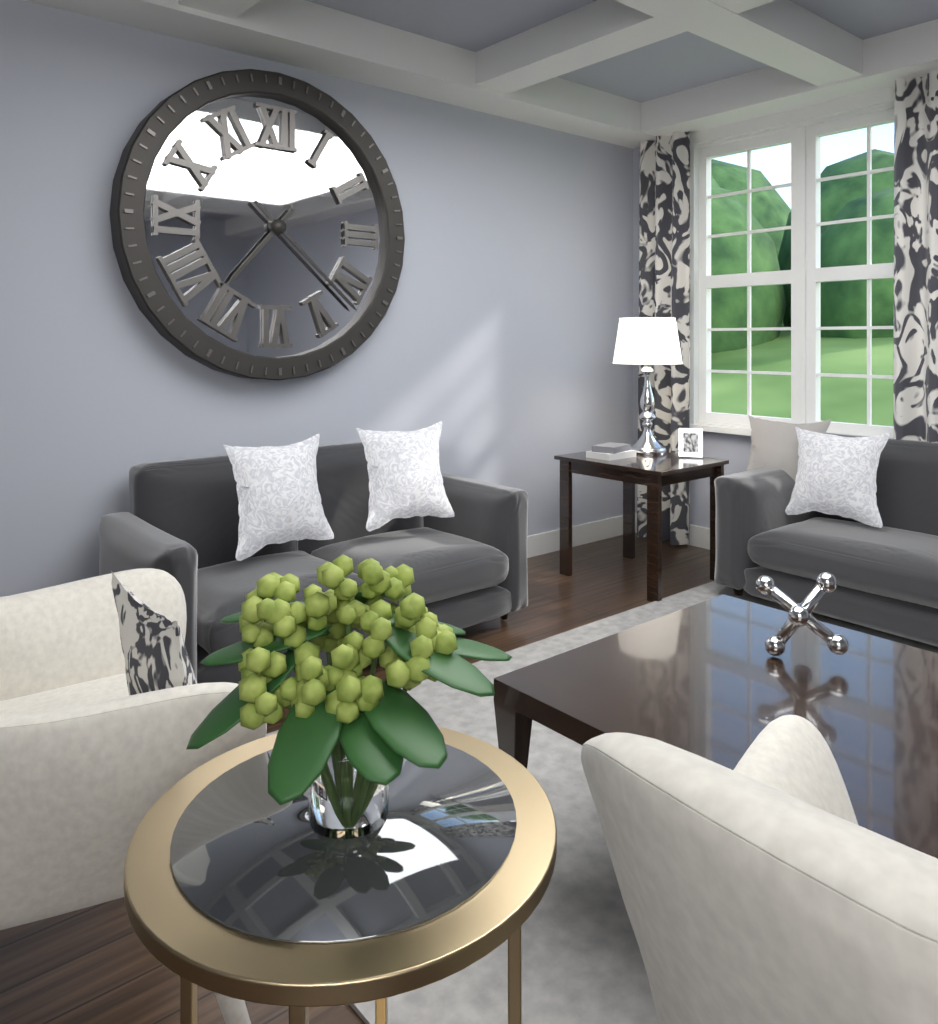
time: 7:22
